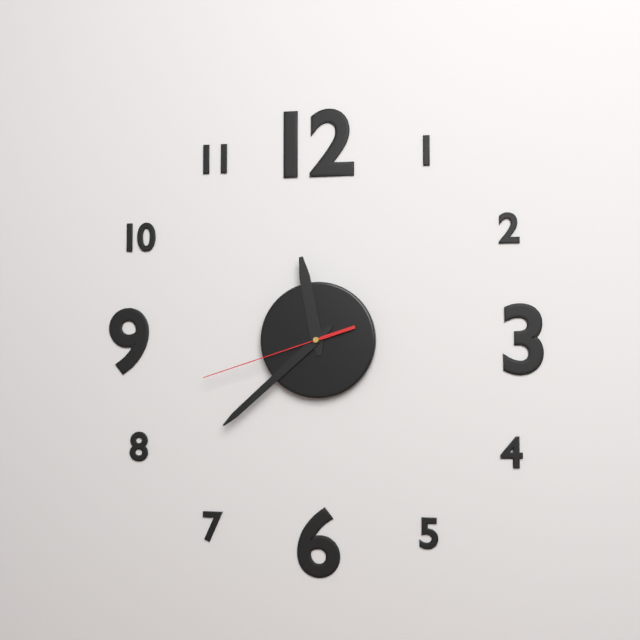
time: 11:38:42
